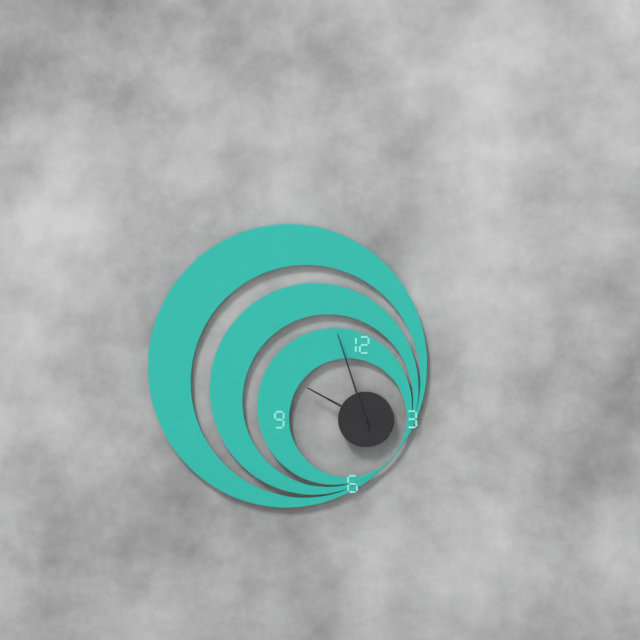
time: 9:57
